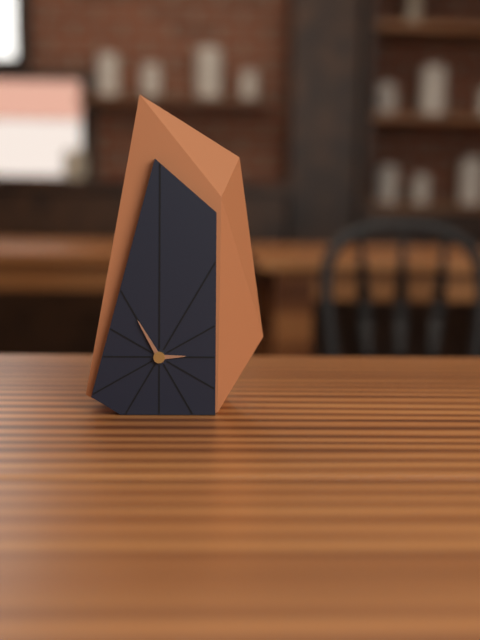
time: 2:55
